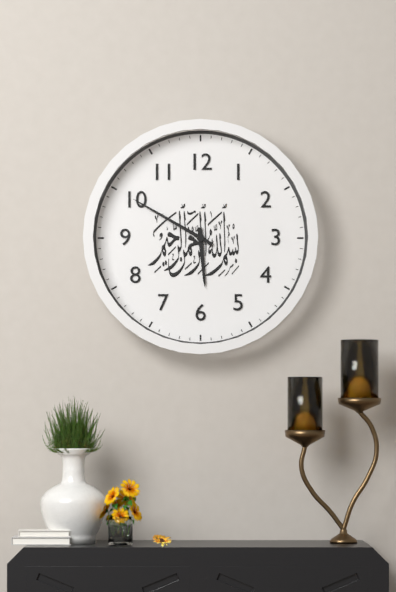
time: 5:50
